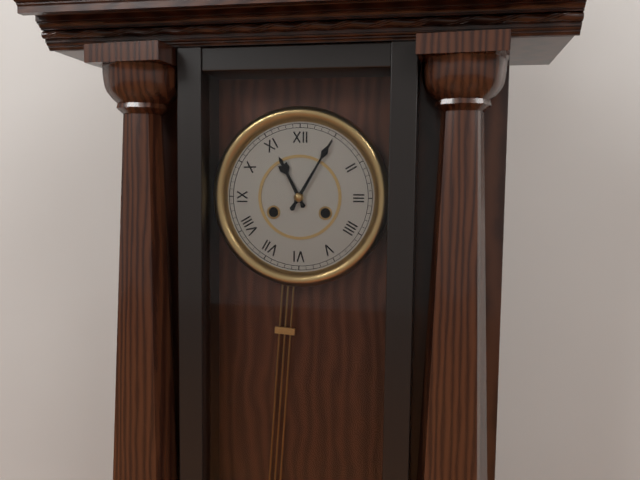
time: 11:05
